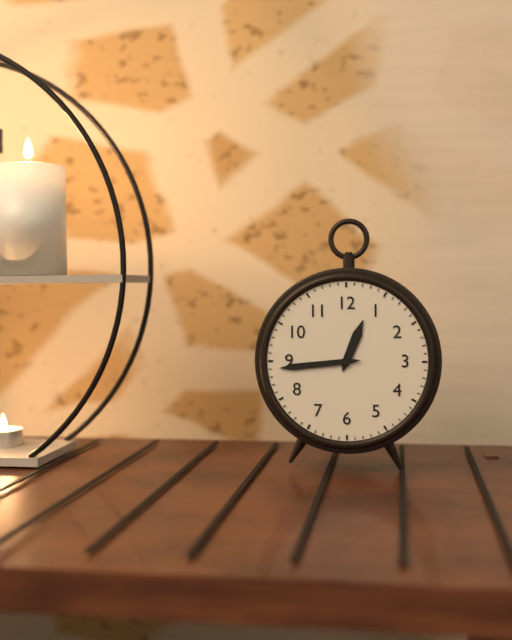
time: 12:44
